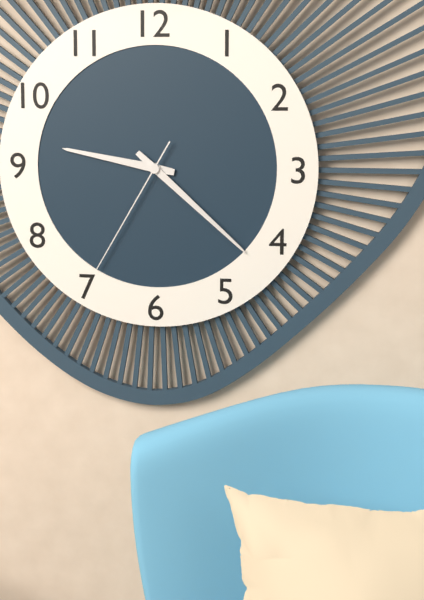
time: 9:22:35
